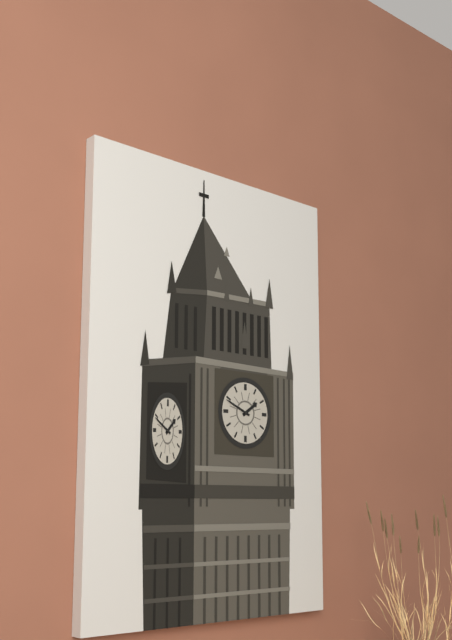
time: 1:49
